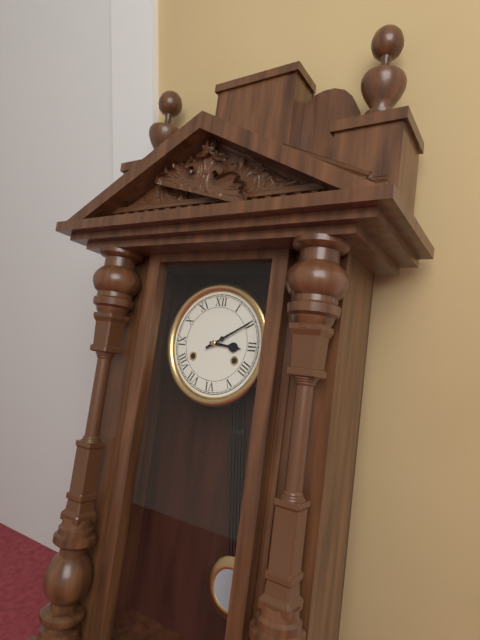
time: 3:10
